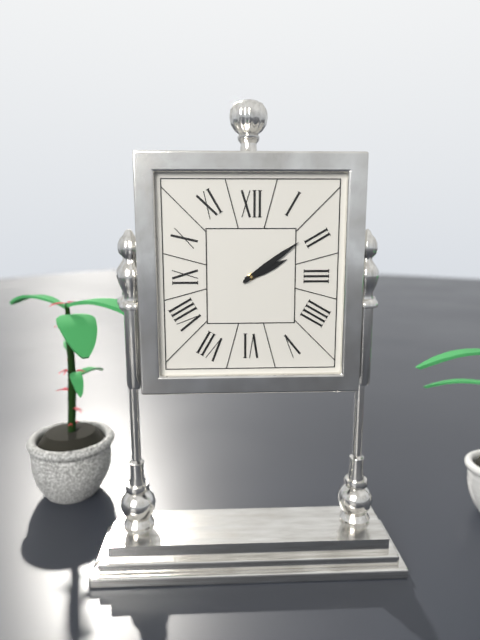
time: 2:09
